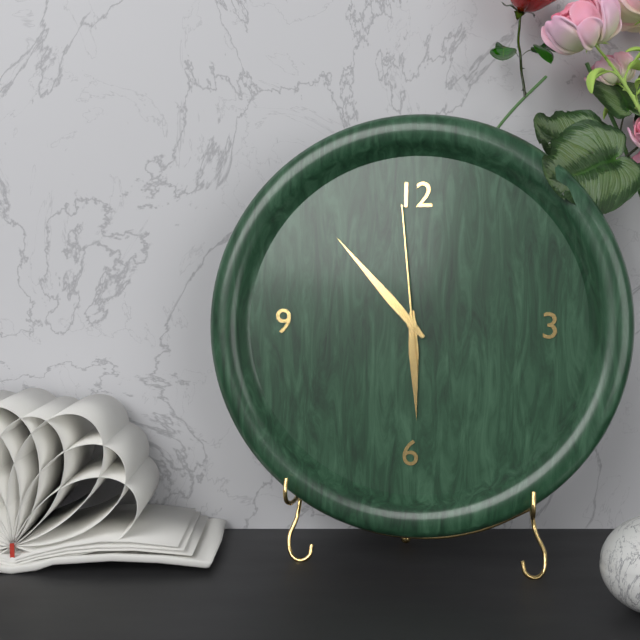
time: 5:53:59
